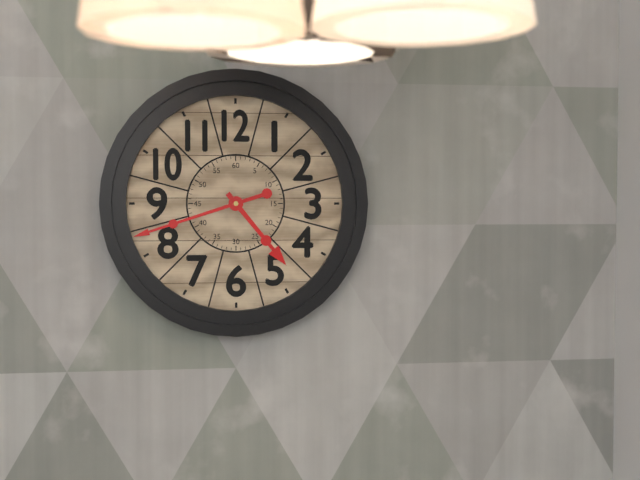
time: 4:42
